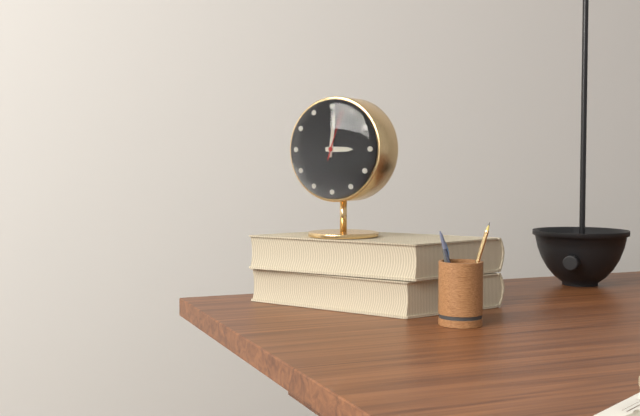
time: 3:01:03
